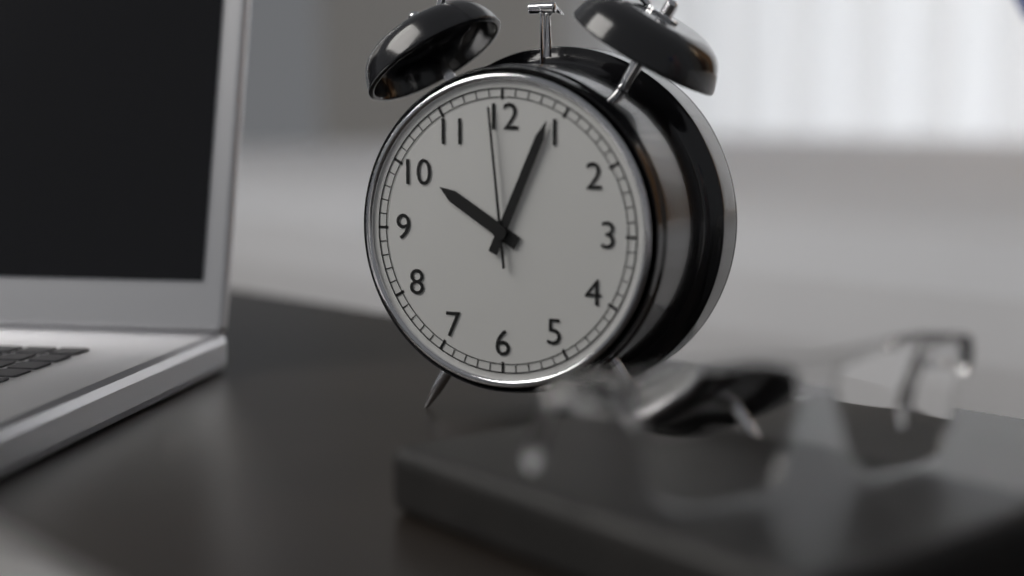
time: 10:04:59
